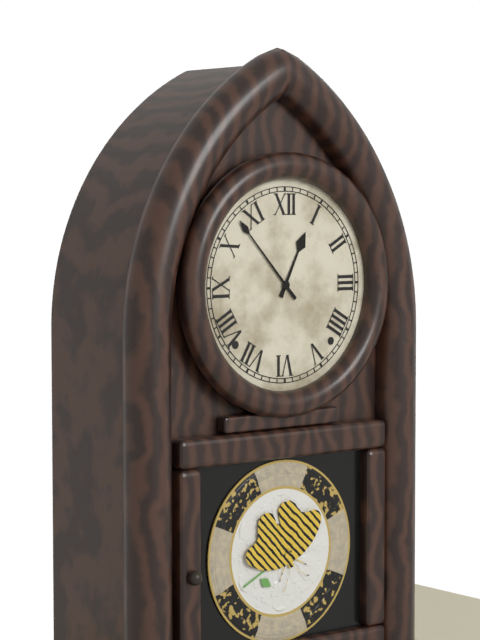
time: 12:53
